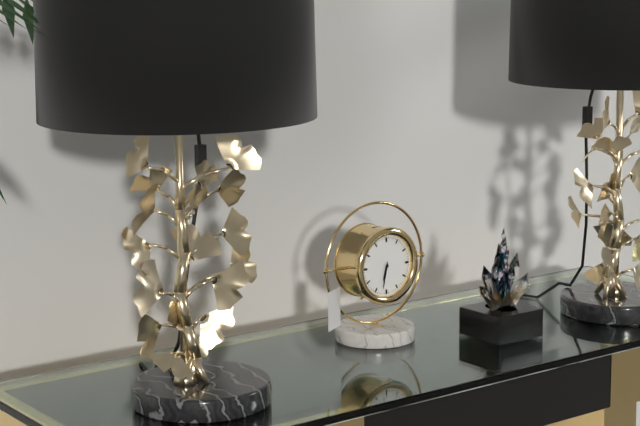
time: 6:32
